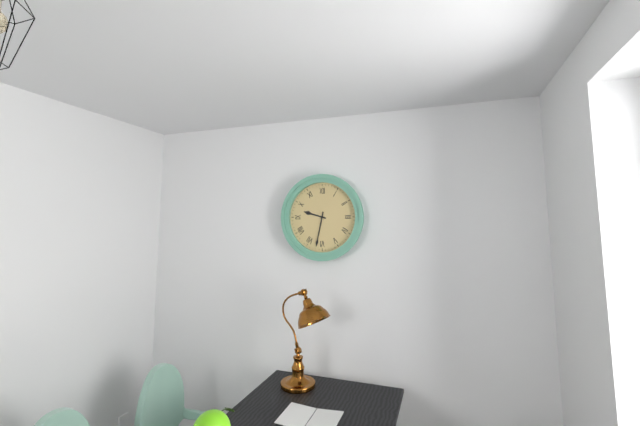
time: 9:32
